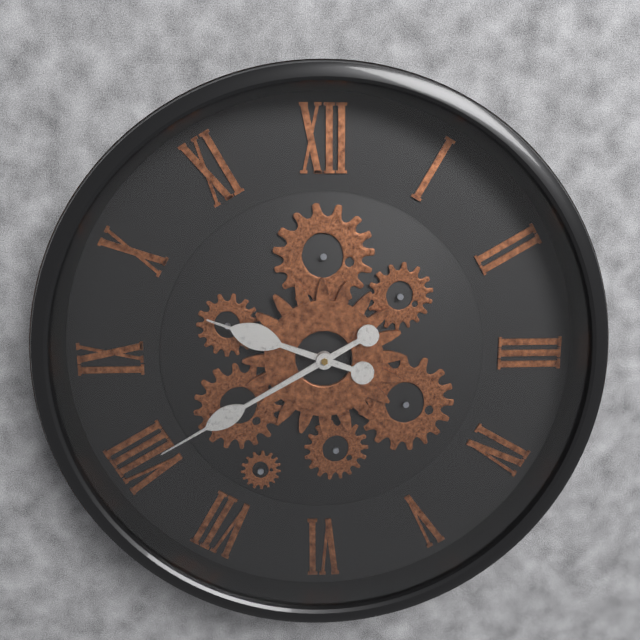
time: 9:40
